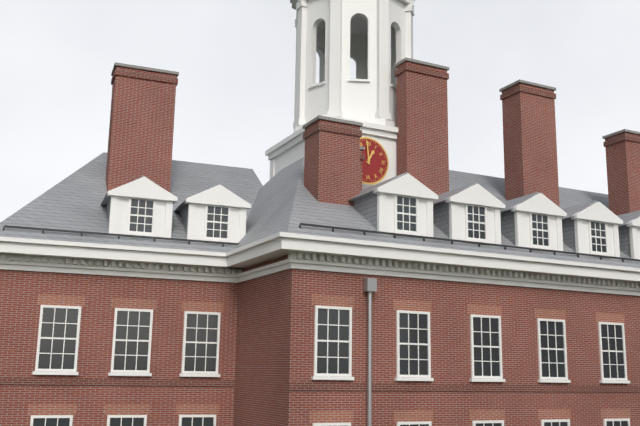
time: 12:59
